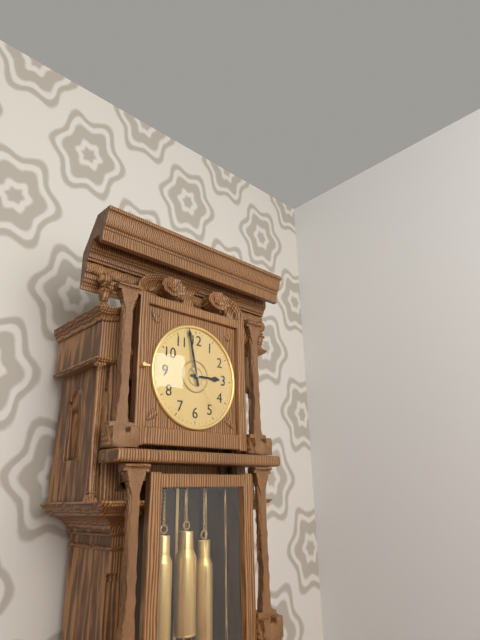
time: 2:58:24
